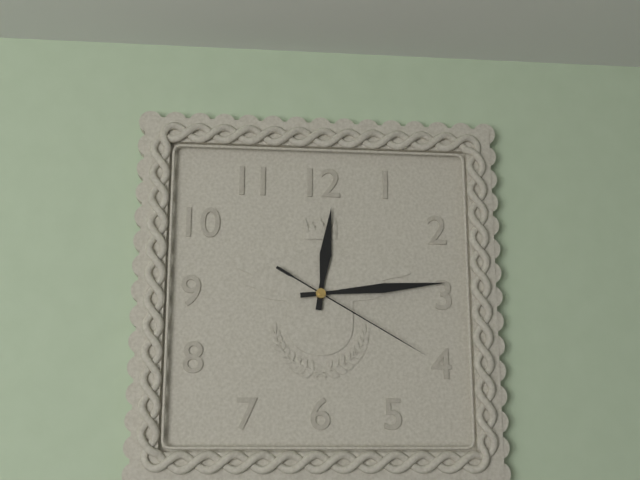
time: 12:14:20
